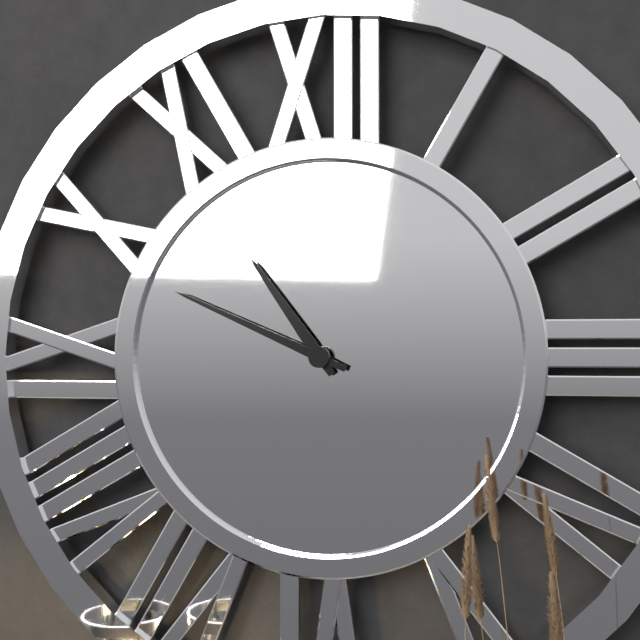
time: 10:49
